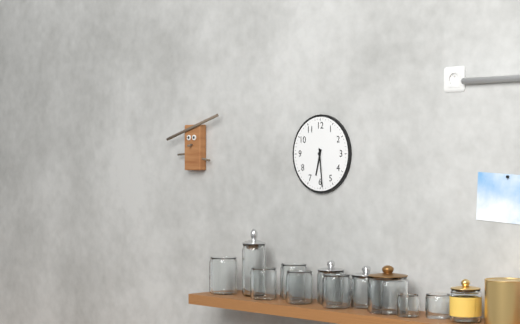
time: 6:29
